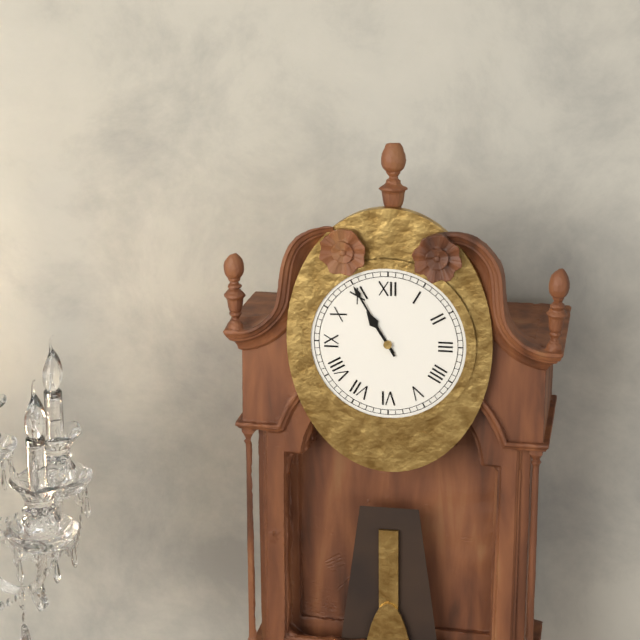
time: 10:55
